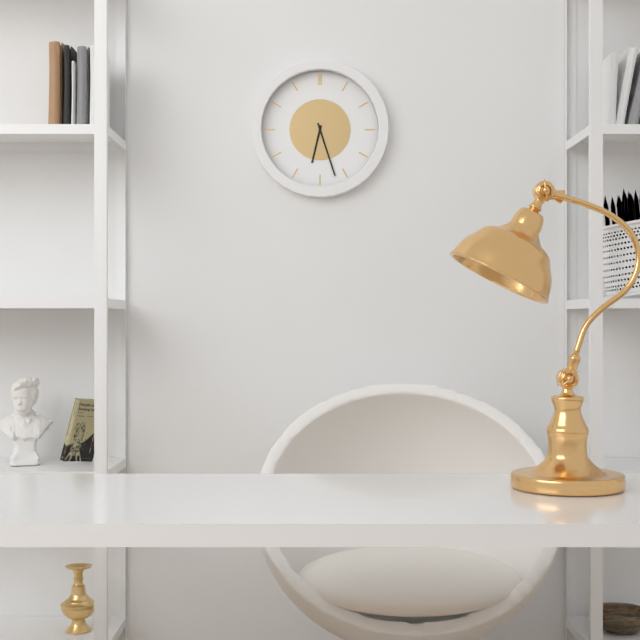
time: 6:27
